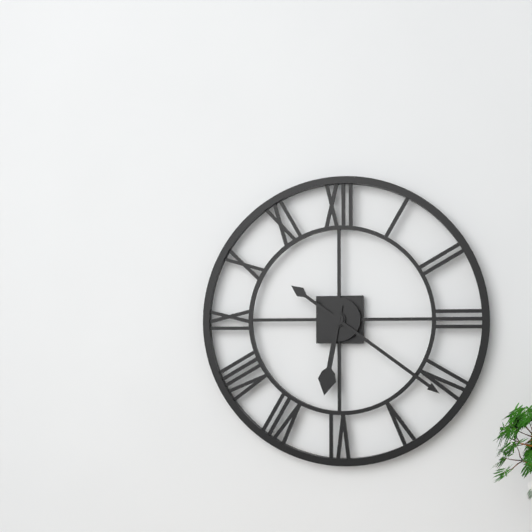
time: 6:21
